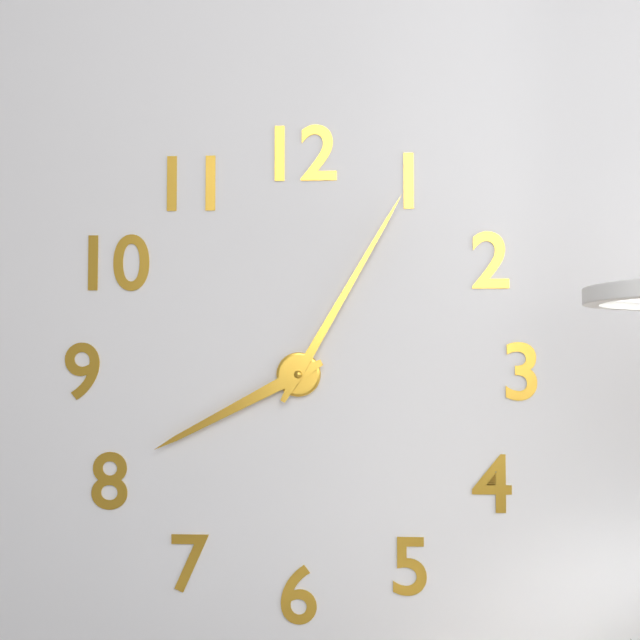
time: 8:05
